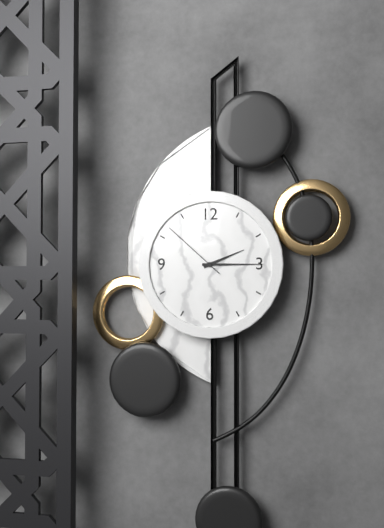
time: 2:15:52
